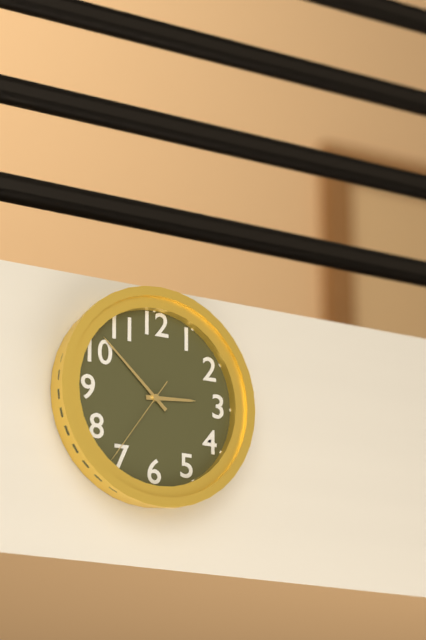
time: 2:52:36
